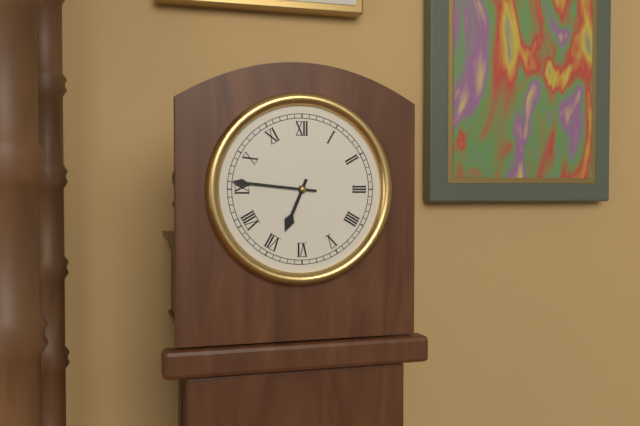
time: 6:46
